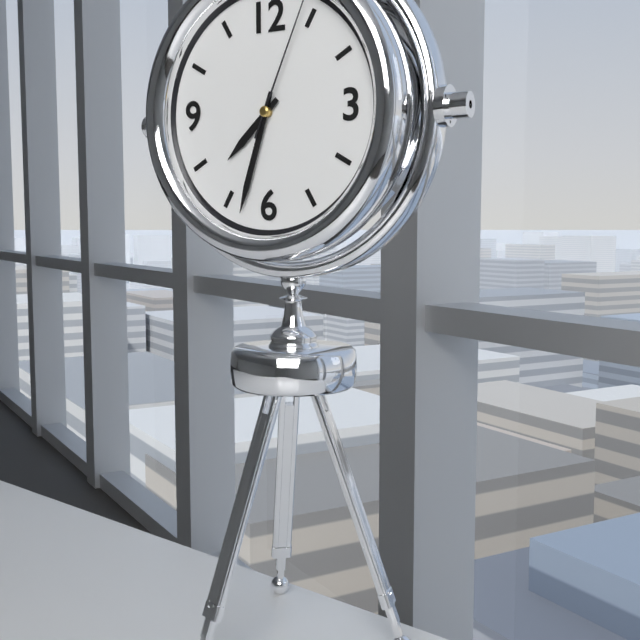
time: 7:33
